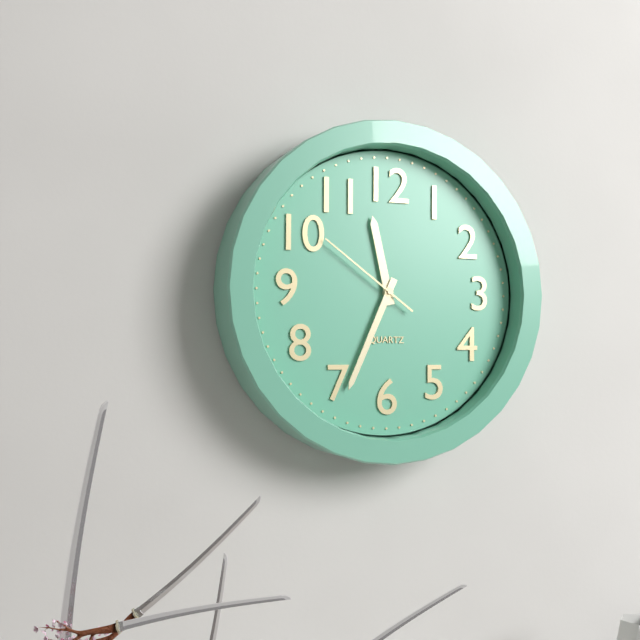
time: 11:34:51
